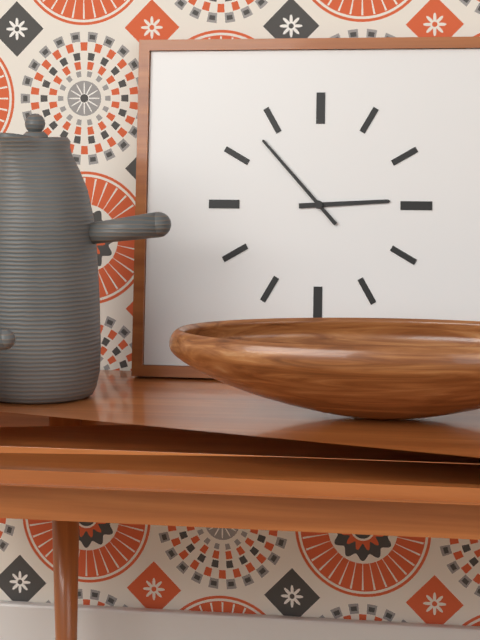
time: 2:53
